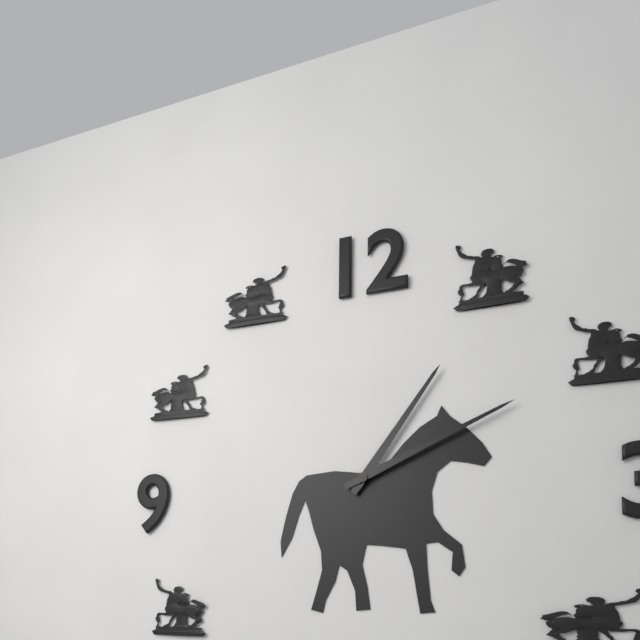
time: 1:11
